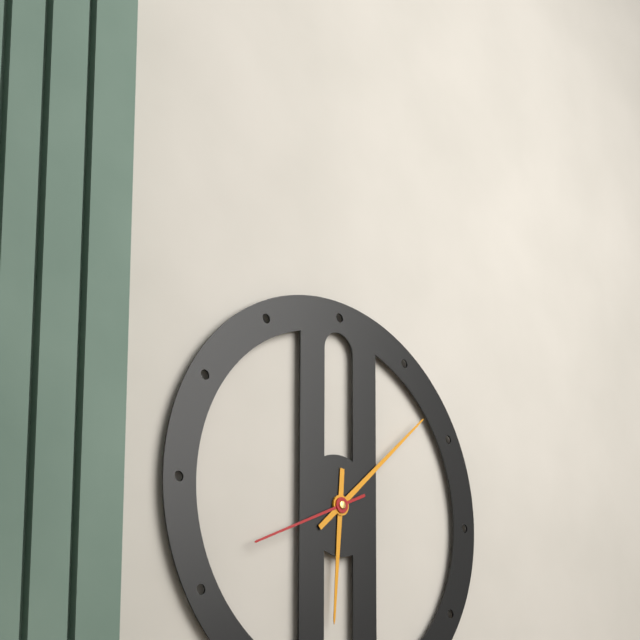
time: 6:08:41
